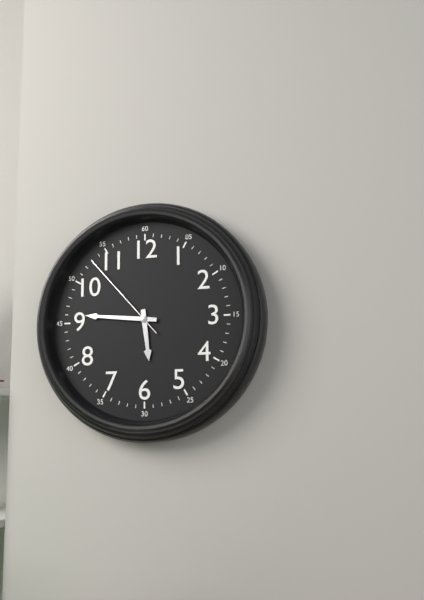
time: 5:46:53
